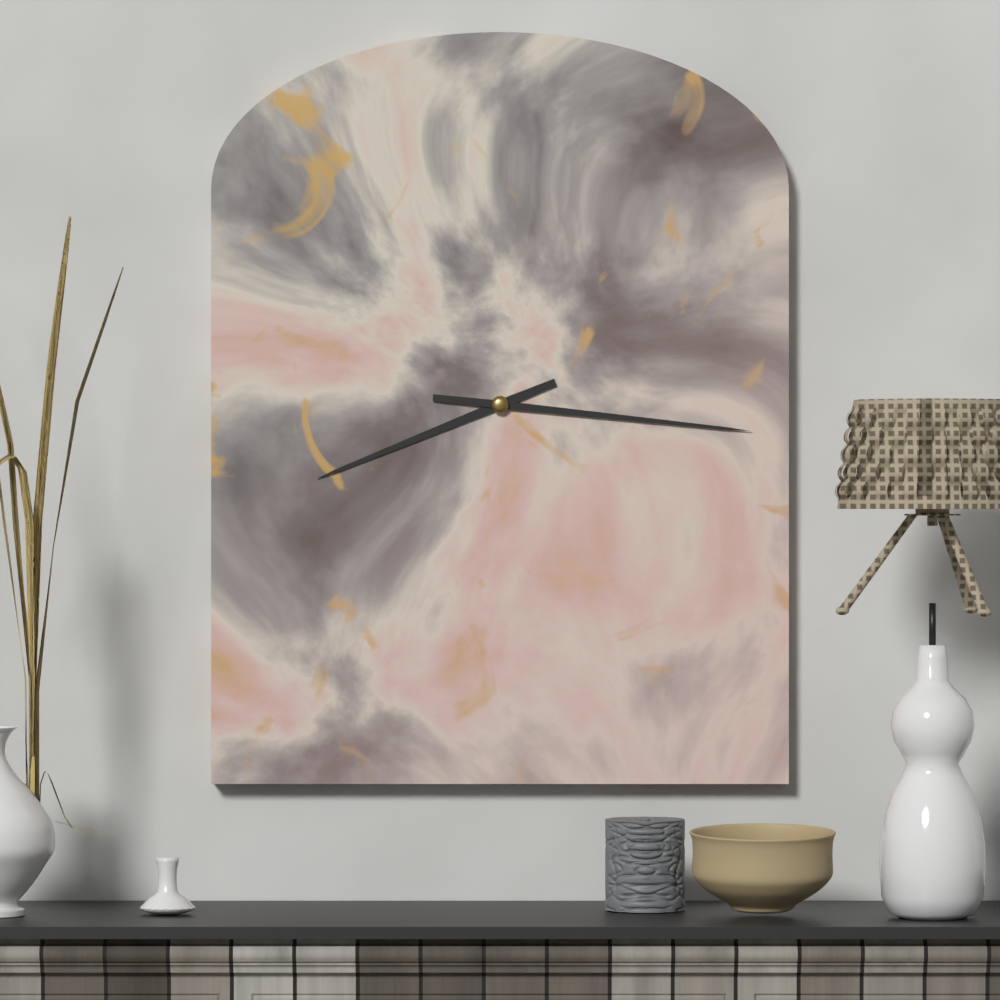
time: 8:16
